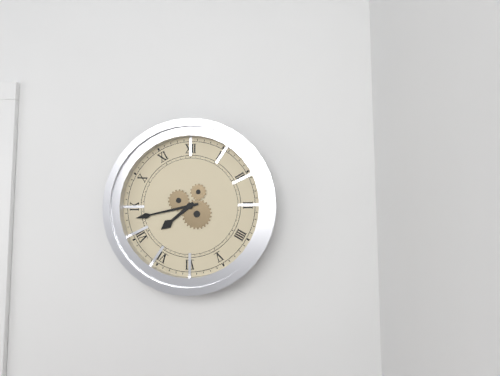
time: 7:43
